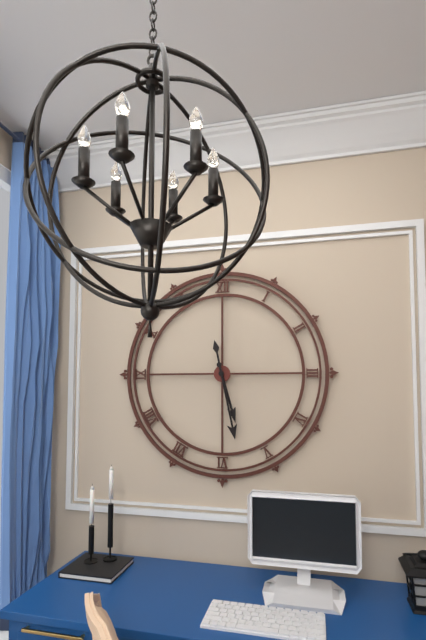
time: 5:28
